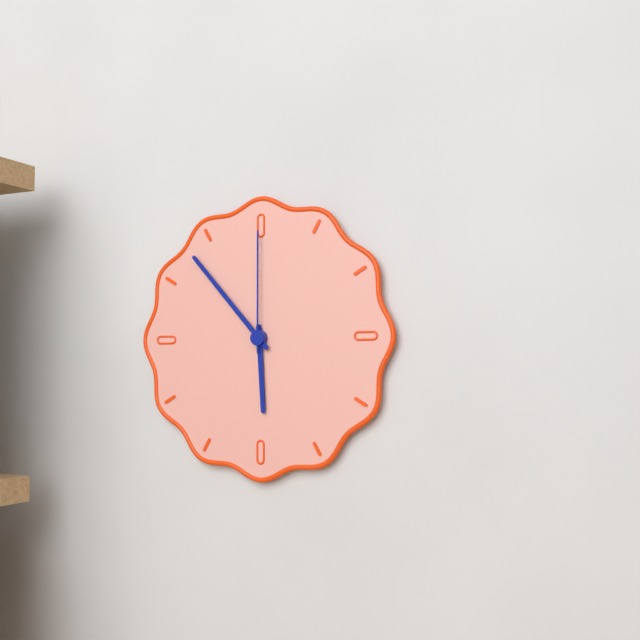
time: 5:53:00
